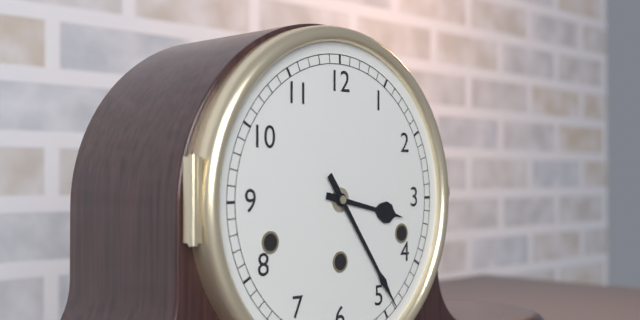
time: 3:24
